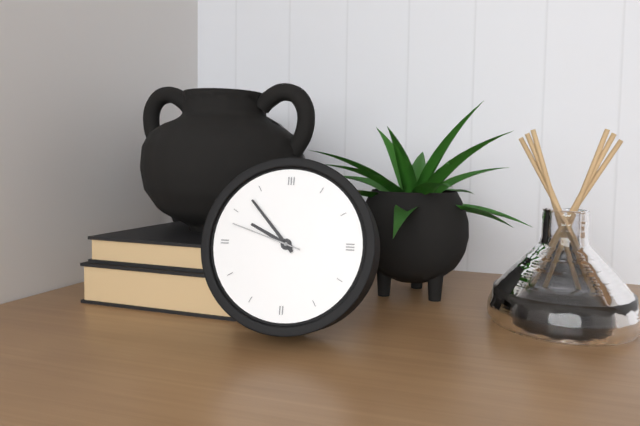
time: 9:53:48
